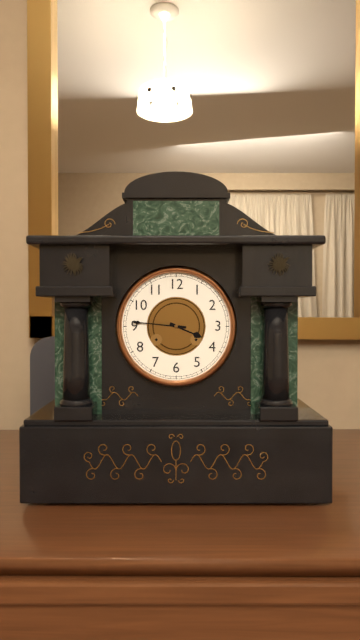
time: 3:46
